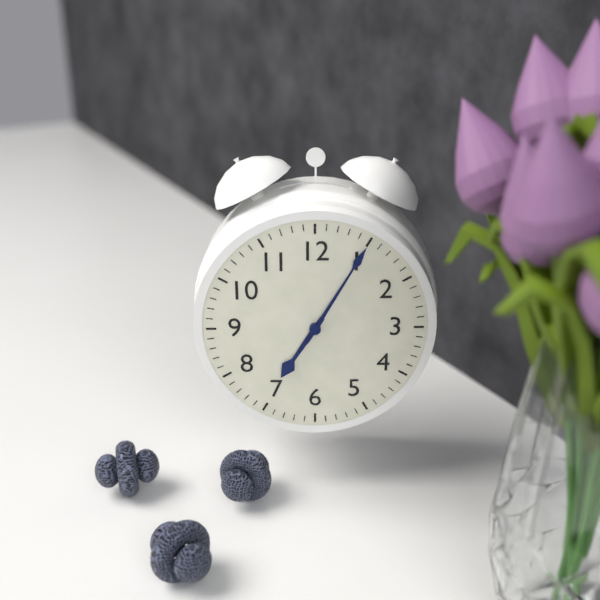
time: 7:05
